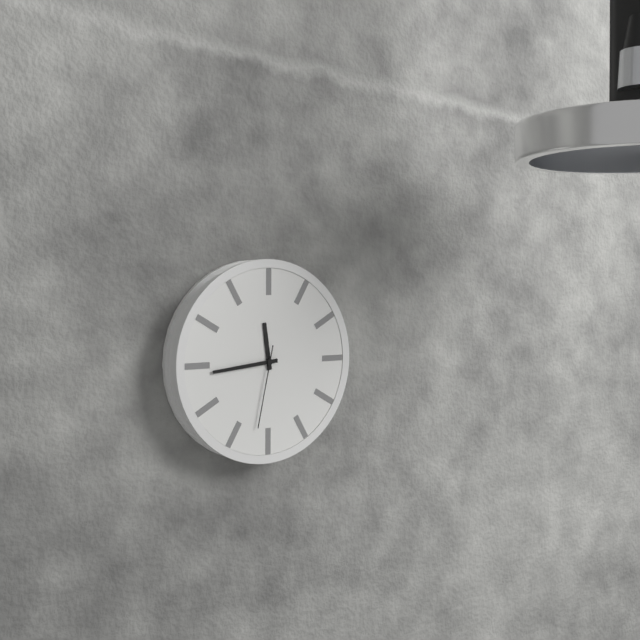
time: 11:44:32
